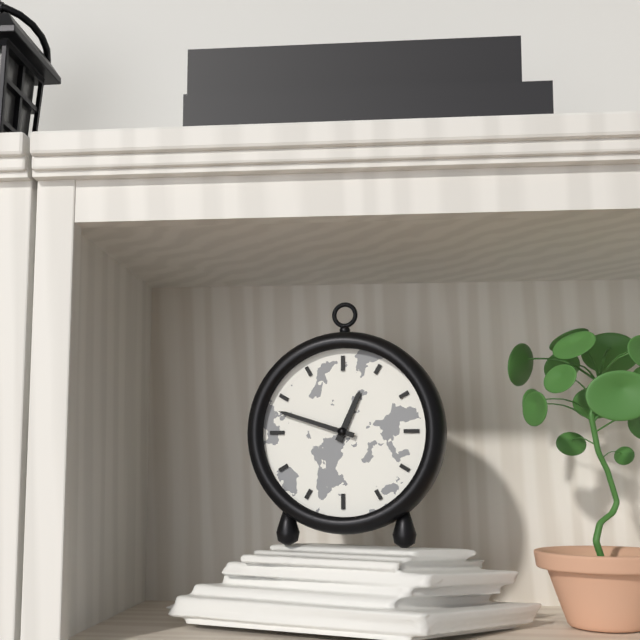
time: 12:48
